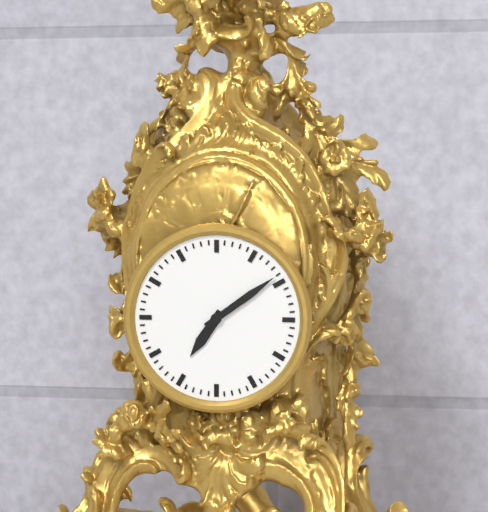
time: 7:09
